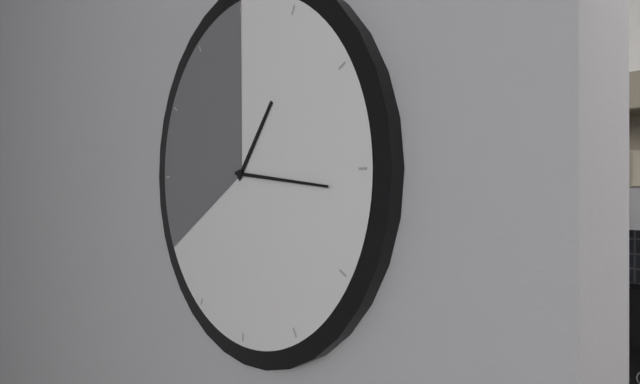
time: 1:16
